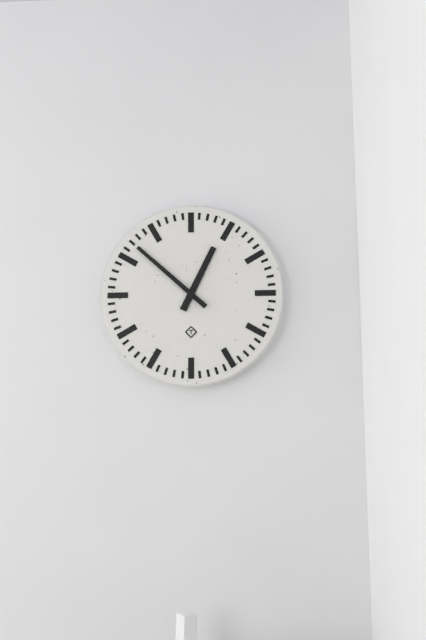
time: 12:52
